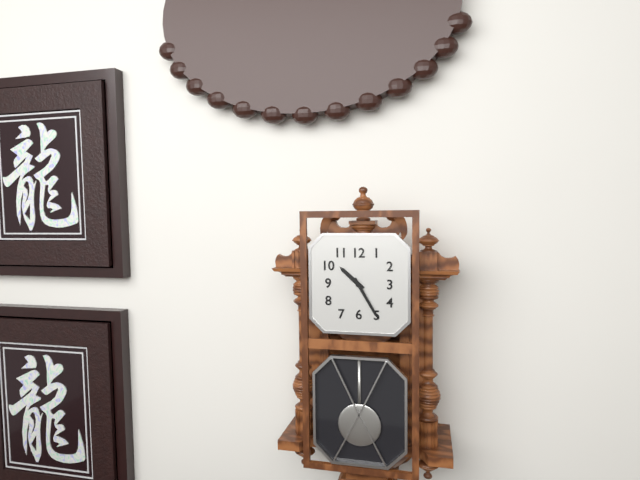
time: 10:25
